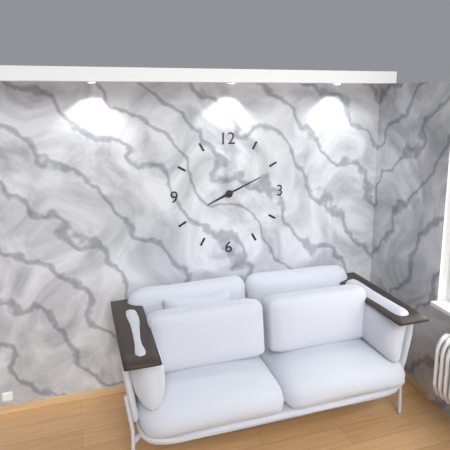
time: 8:11
